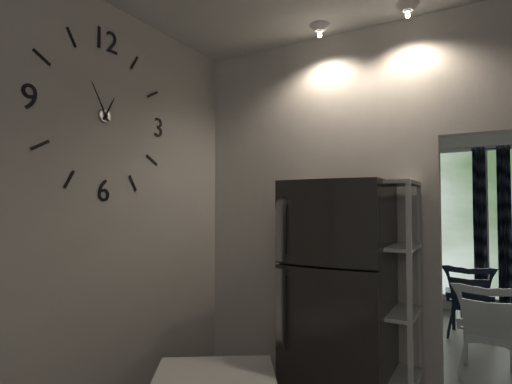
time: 12:55
